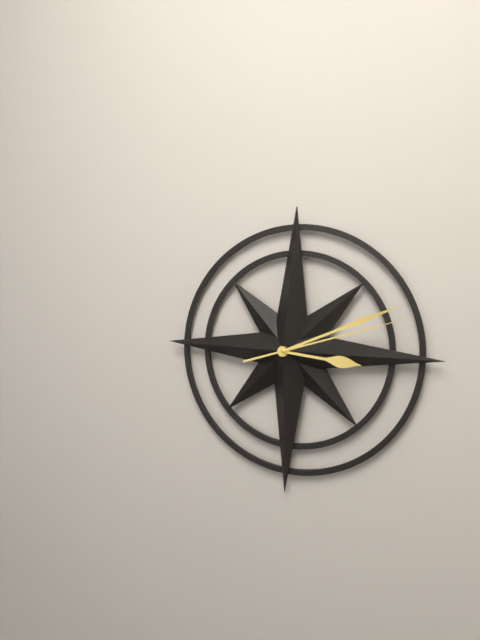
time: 3:11:12
